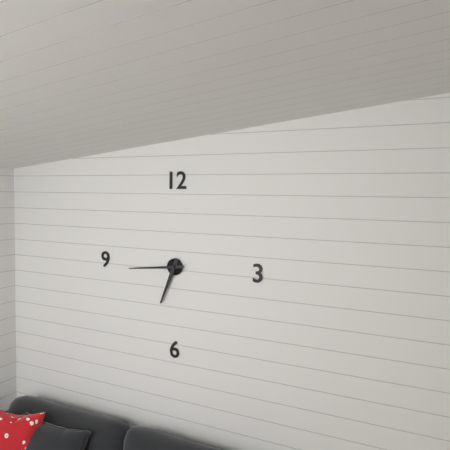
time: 6:44
